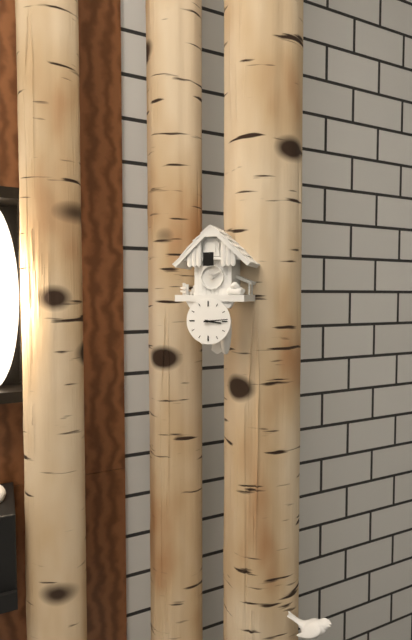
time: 3:14
